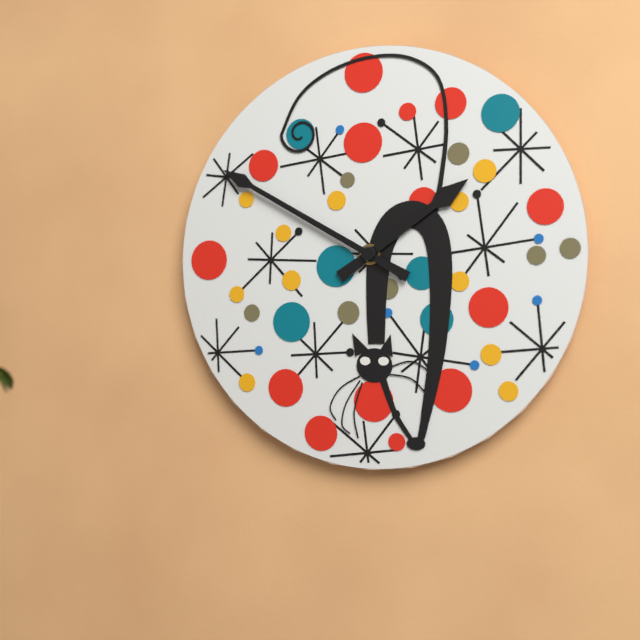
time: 1:50
